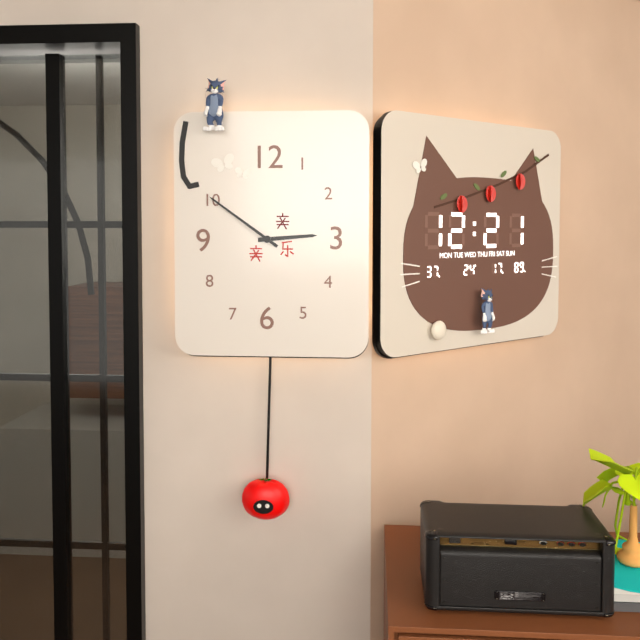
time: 2:51
